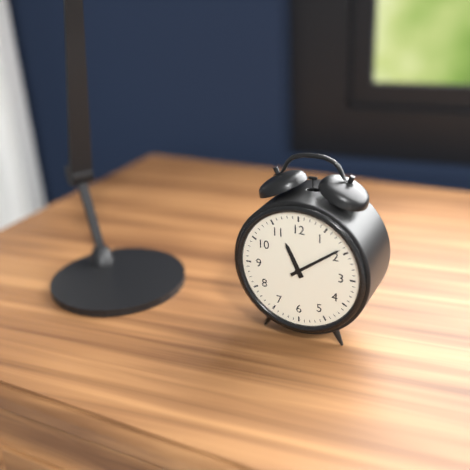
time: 11:09
